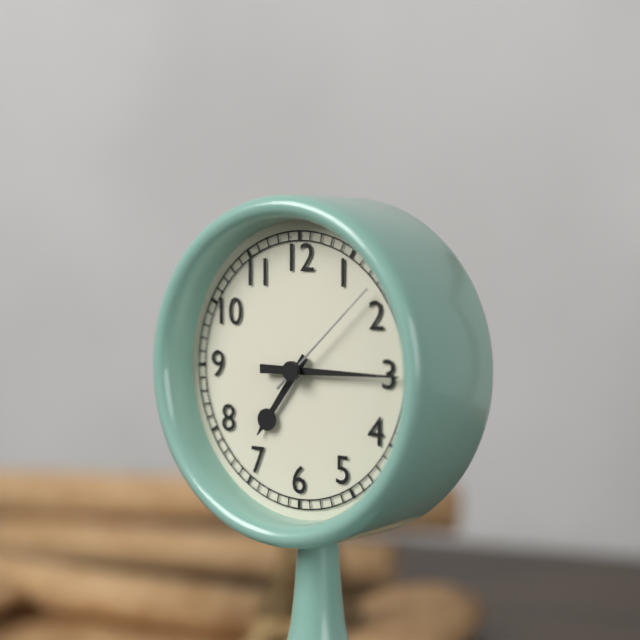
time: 7:15:08
